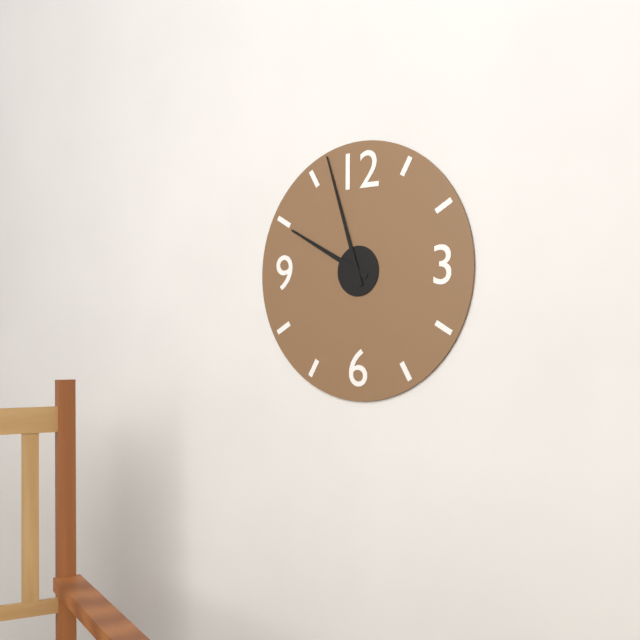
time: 9:57
